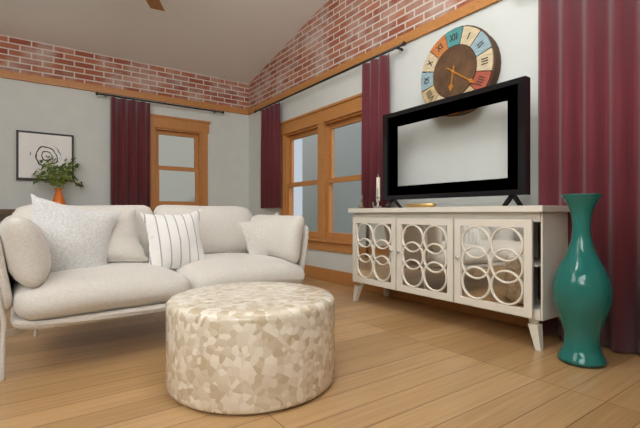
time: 6:21
